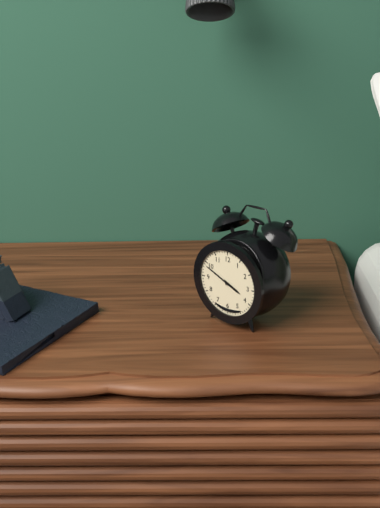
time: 3:49
